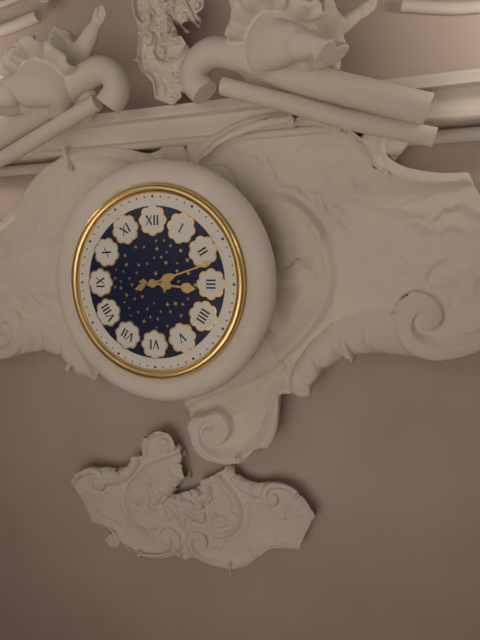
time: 3:12
